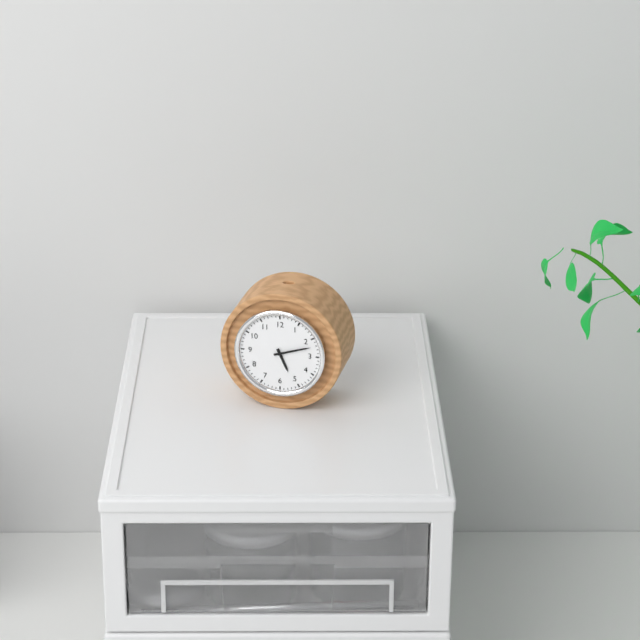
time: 5:12
